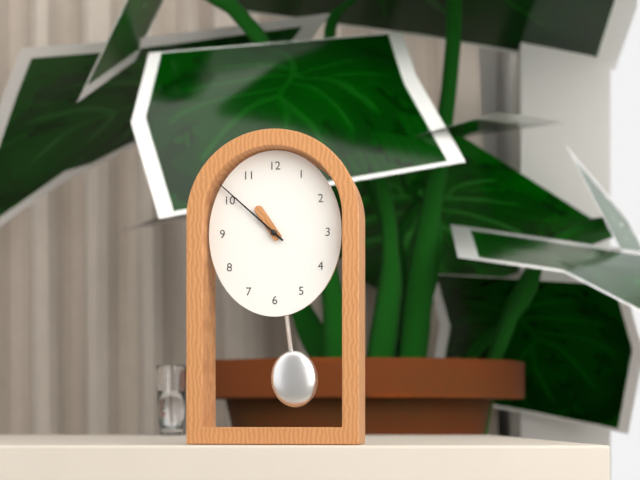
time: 10:52
